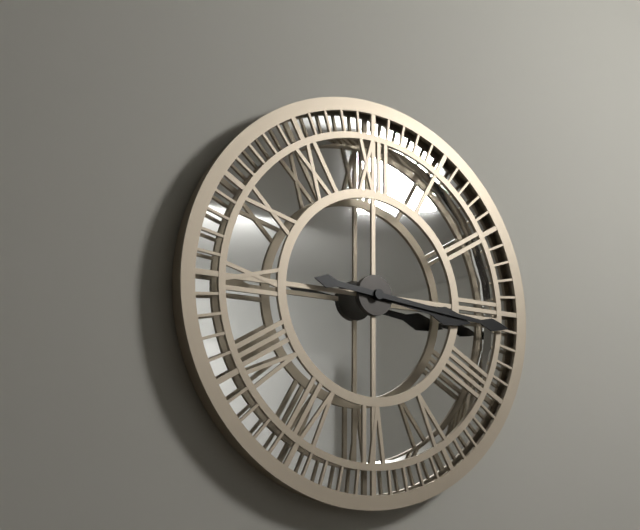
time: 3:16
